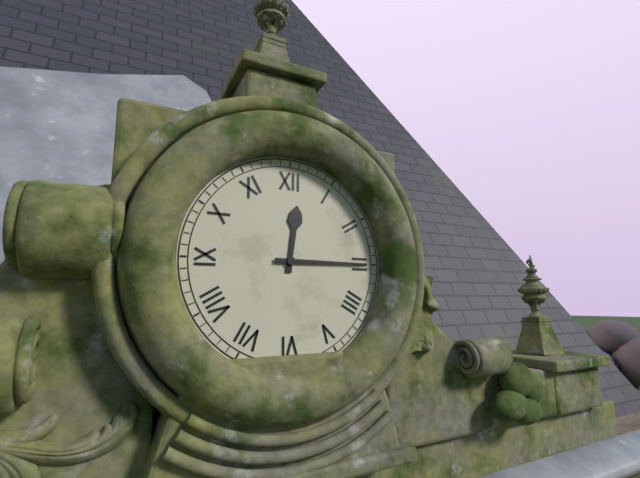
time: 12:15
